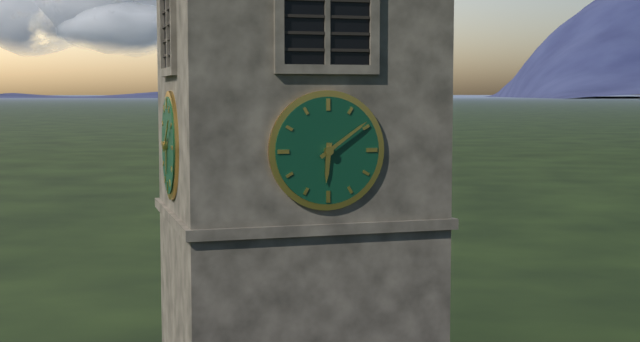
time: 6:09
